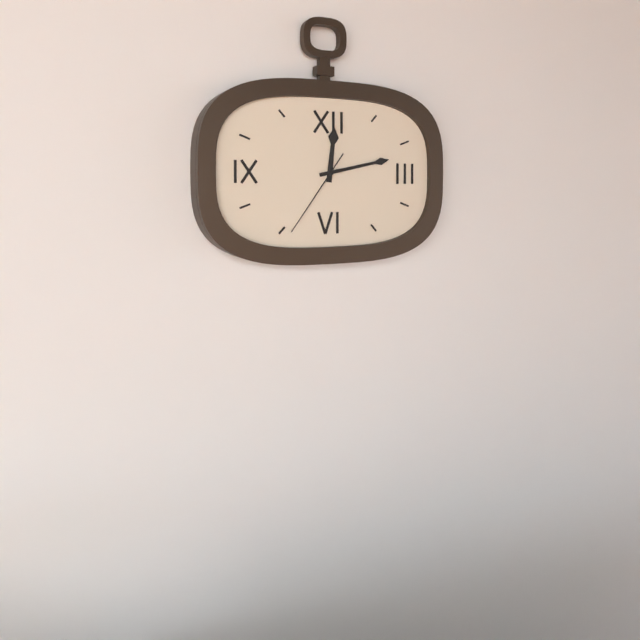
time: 12:13:36
